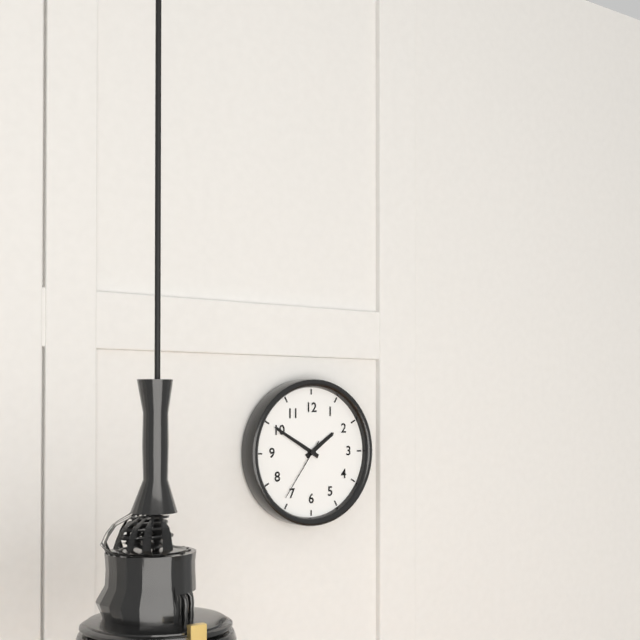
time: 1:50:36
